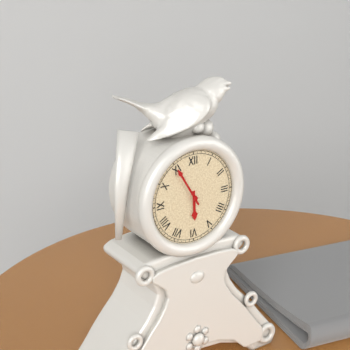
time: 5:55
